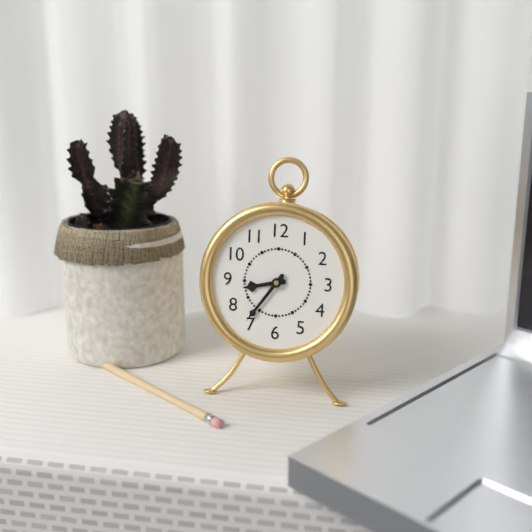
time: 8:36
